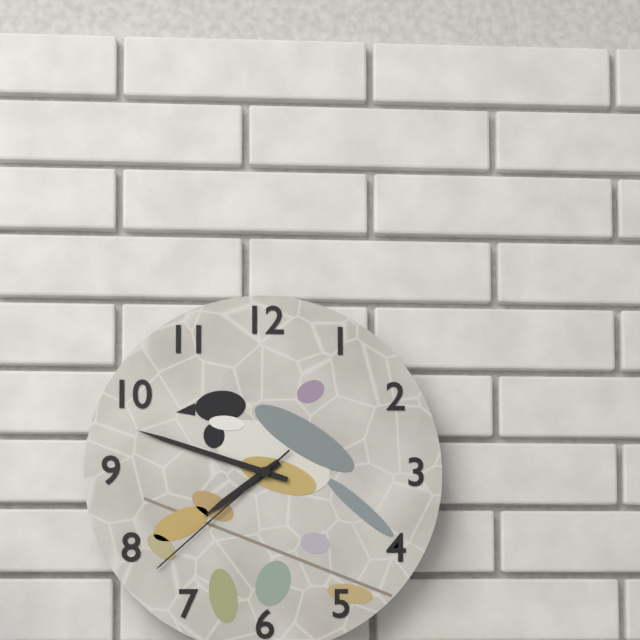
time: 7:48:38
